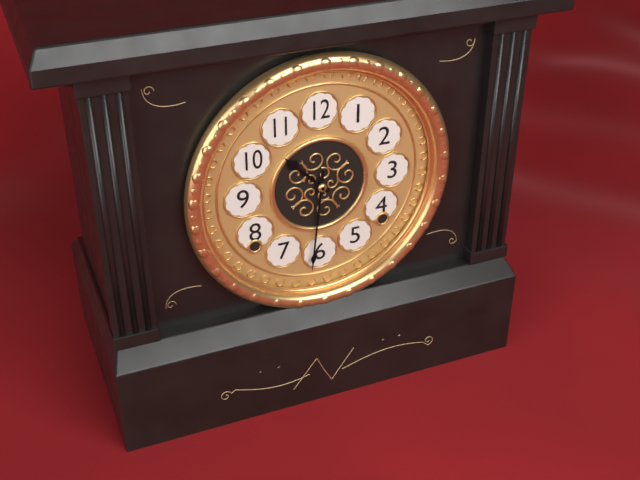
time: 10:31
